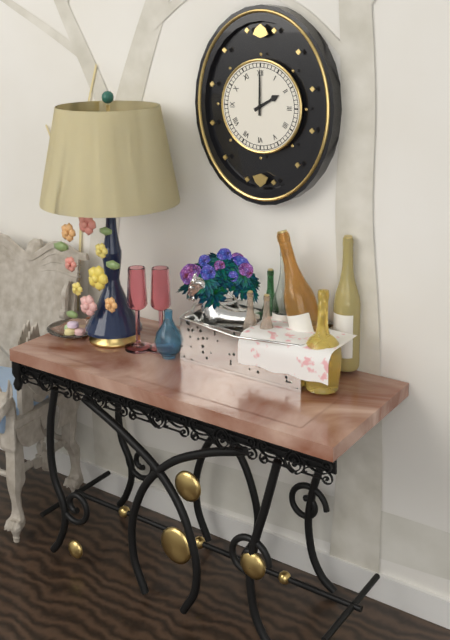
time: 2:00
